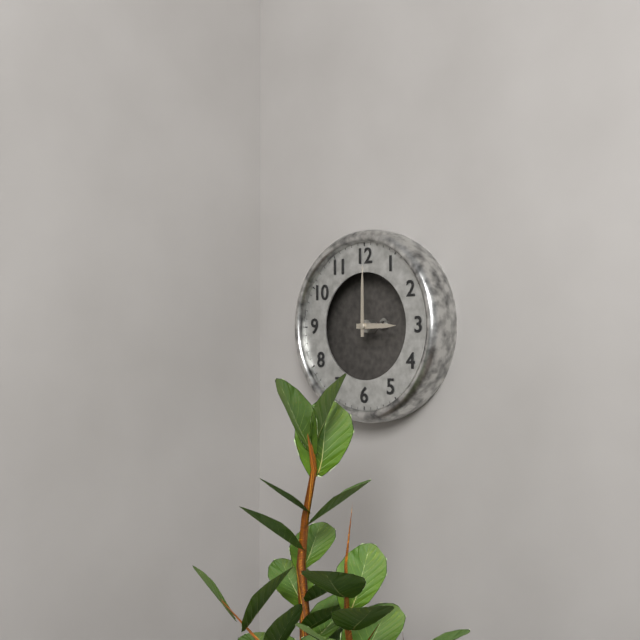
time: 3:00
